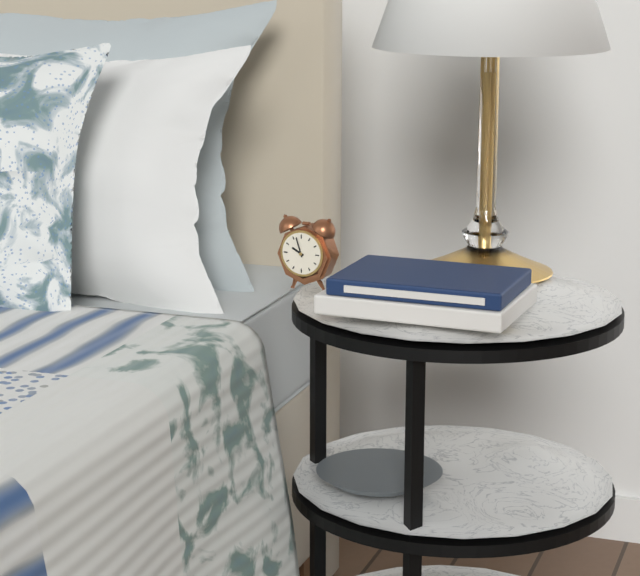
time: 9:57
